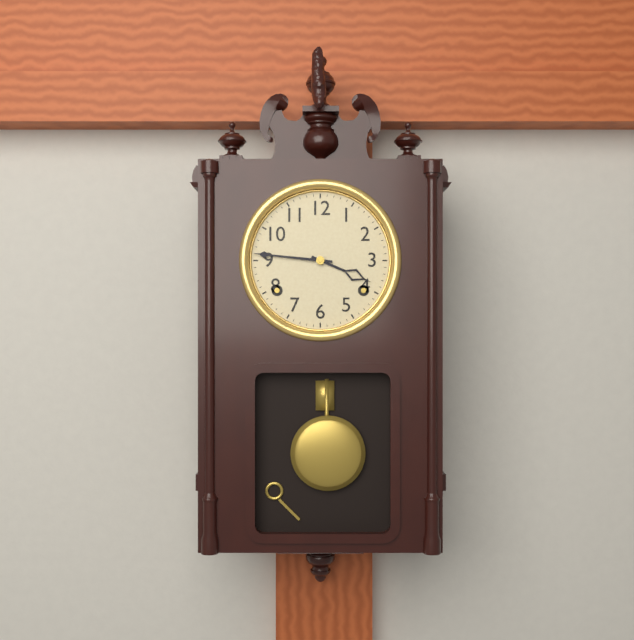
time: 3:46
